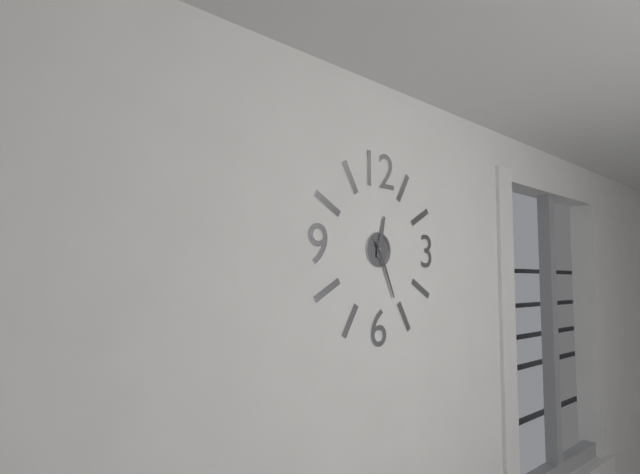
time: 12:26:26
